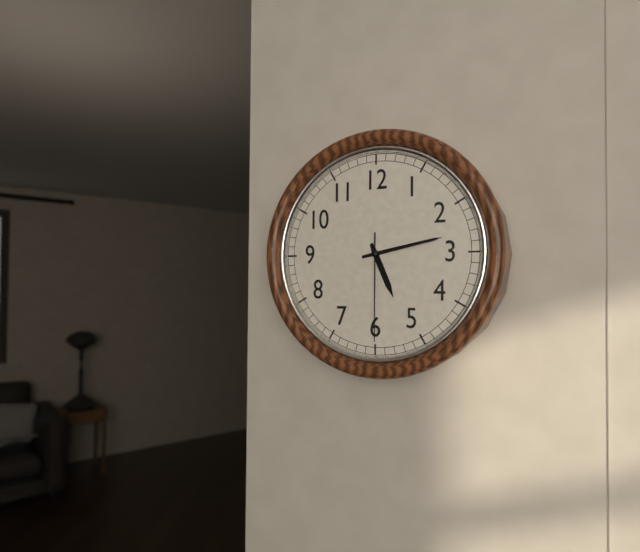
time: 5:13:30
